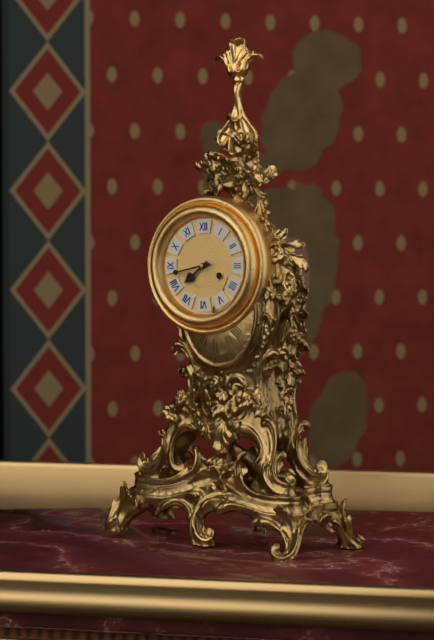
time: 7:43
